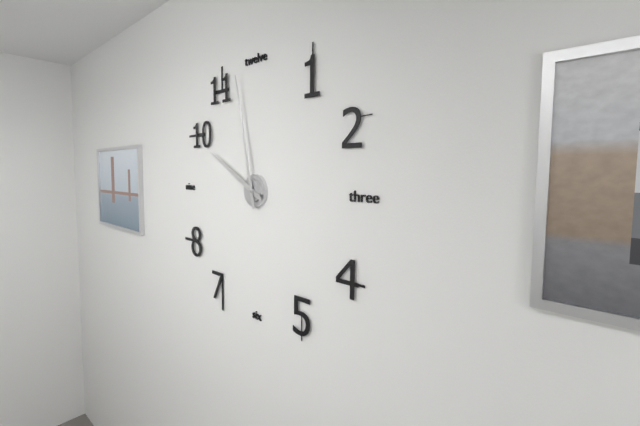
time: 9:58
